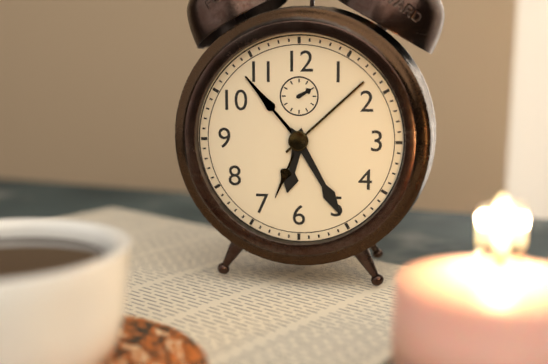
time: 6:25
